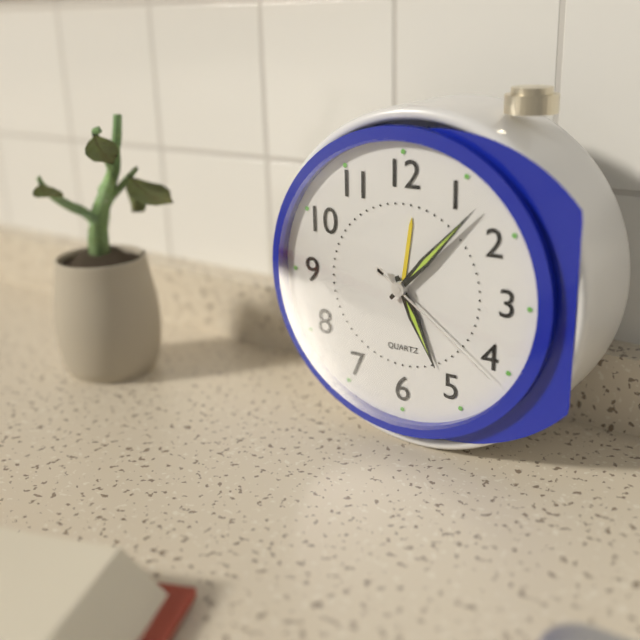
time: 5:07:21
